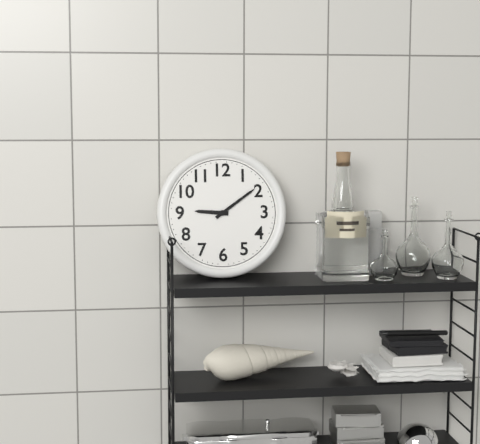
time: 9:09
